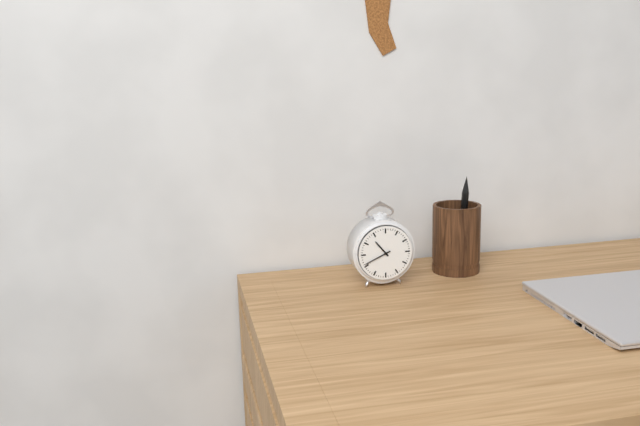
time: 10:41
